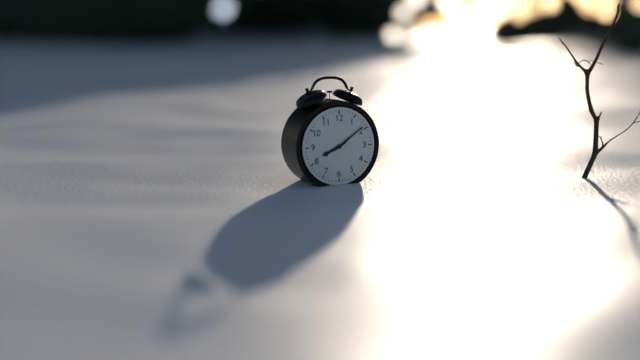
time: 8:09
